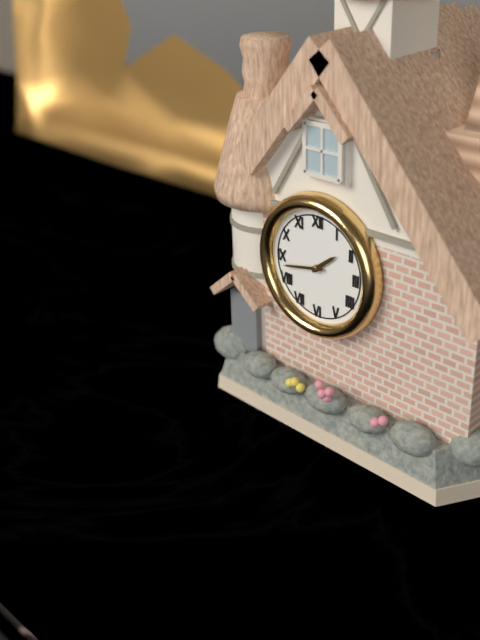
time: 1:43
